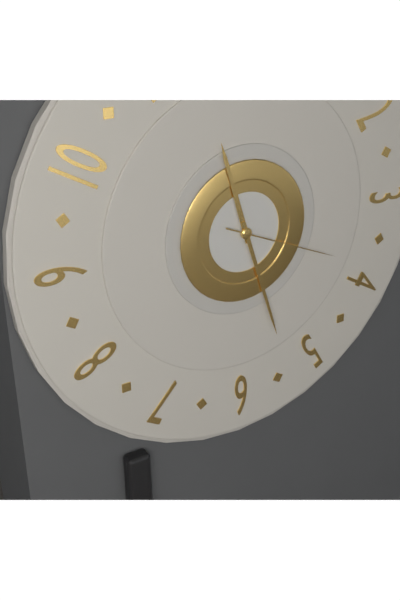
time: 11:27:19
